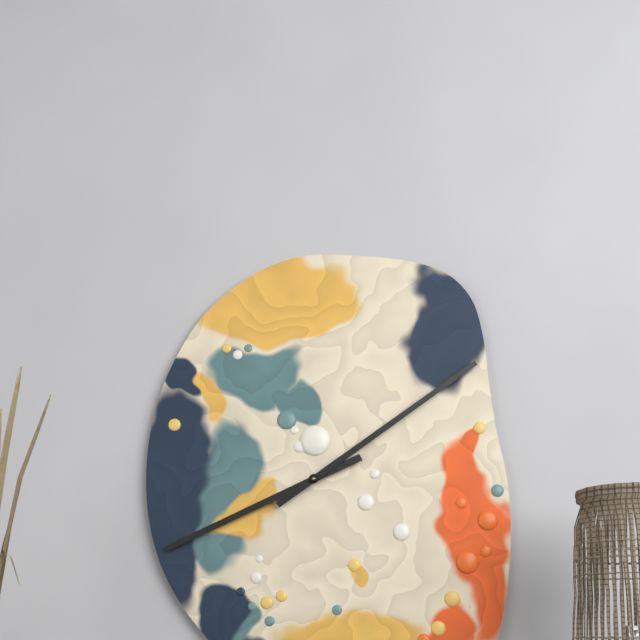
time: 8:09
